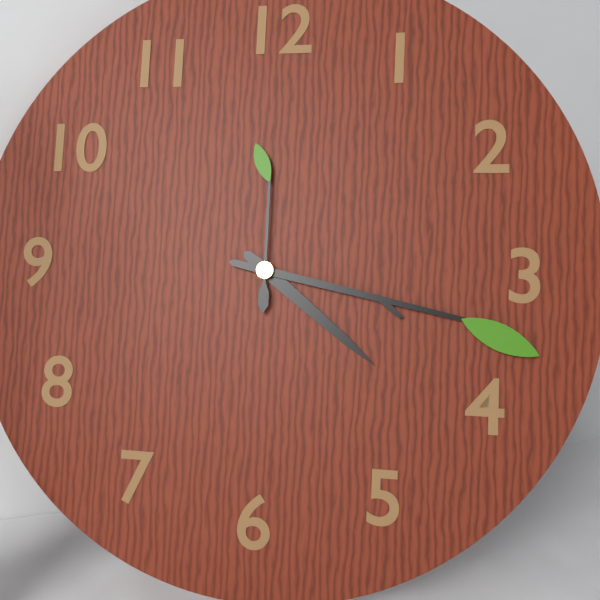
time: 4:17:00
